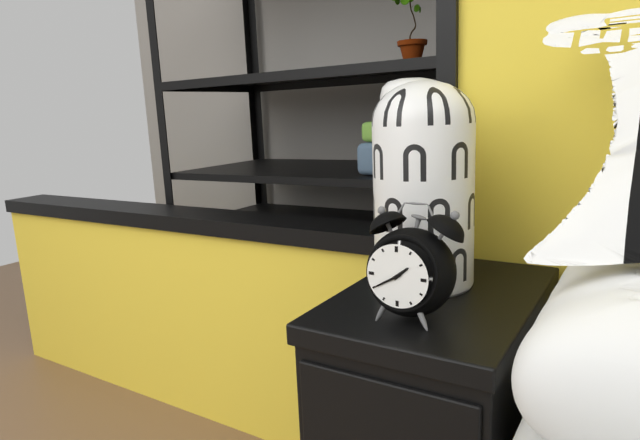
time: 1:40
